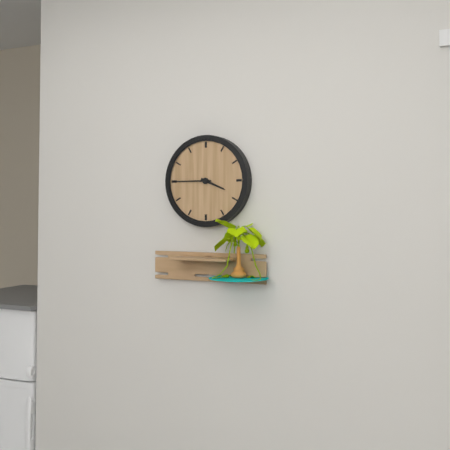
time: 3:45
